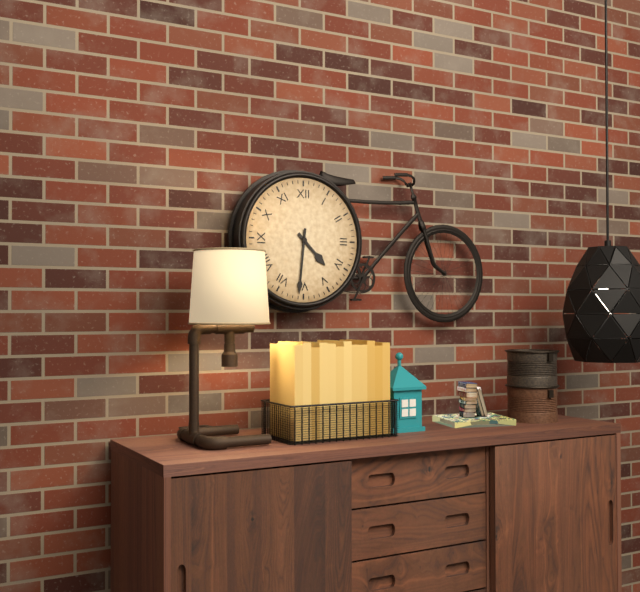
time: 4:31
